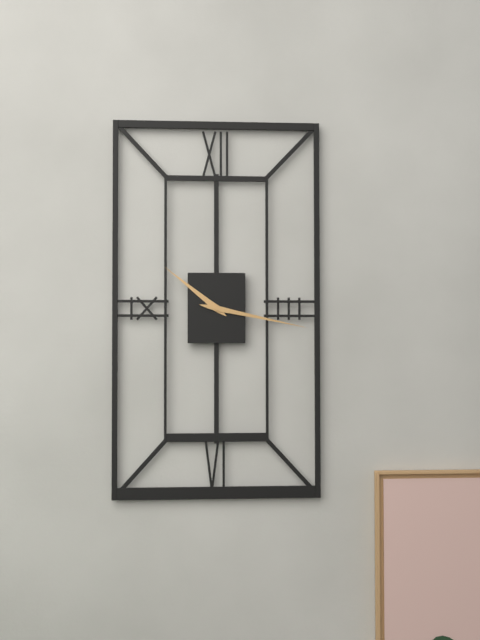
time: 10:17
